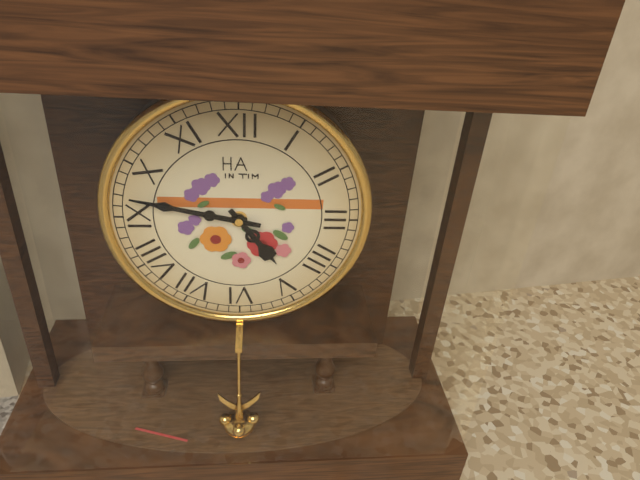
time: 4:47
